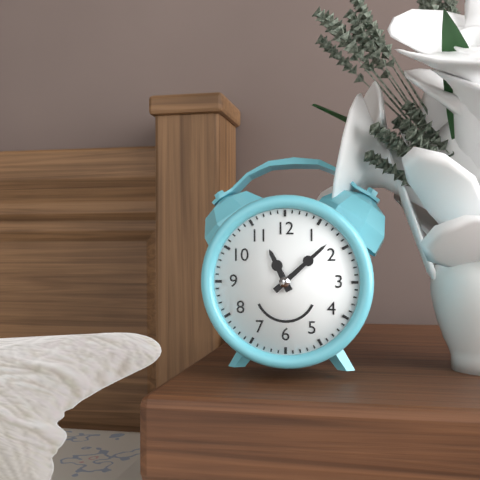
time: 11:08
